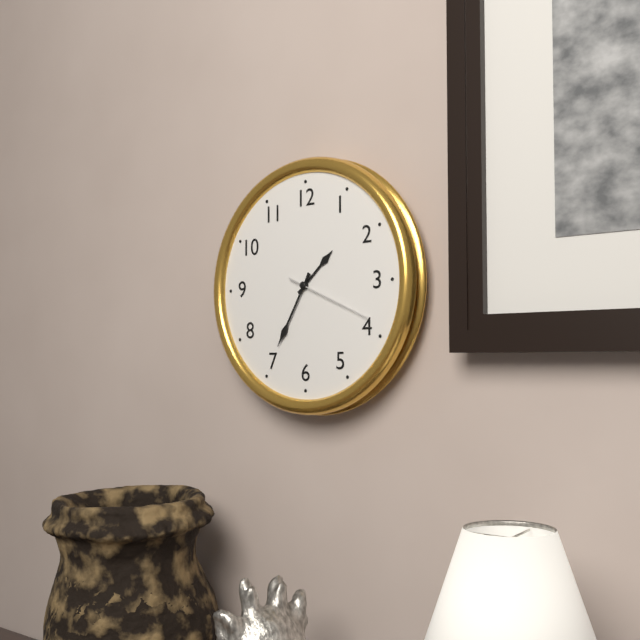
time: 1:35:19
